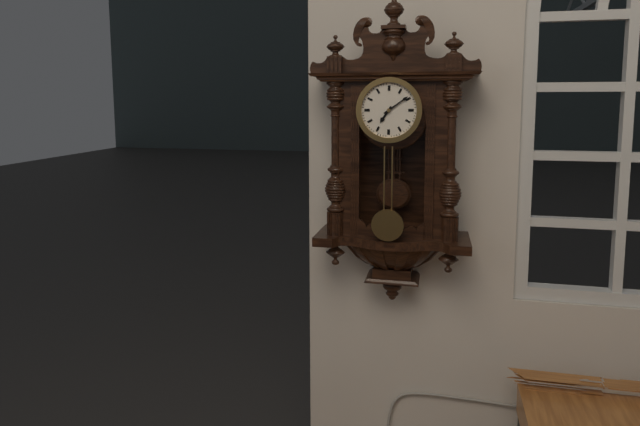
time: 7:09
